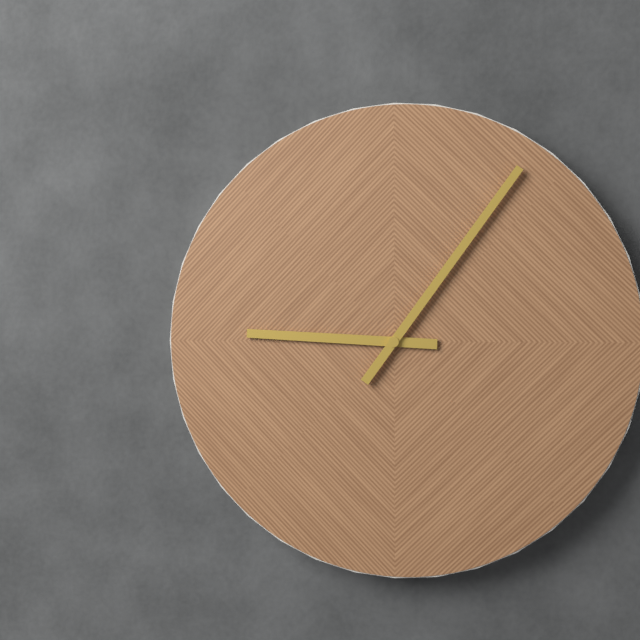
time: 9:06
